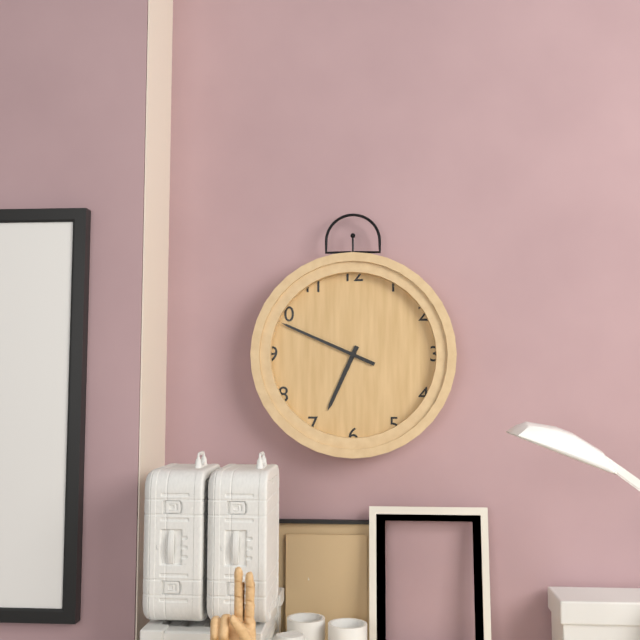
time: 6:49
